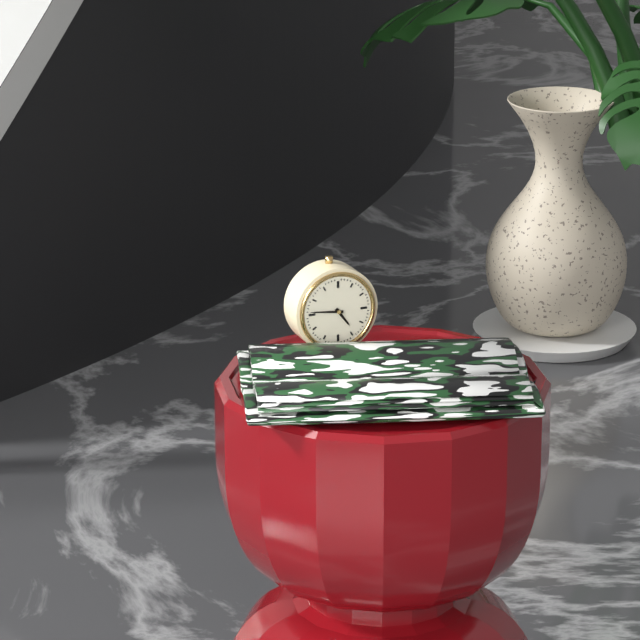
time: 4:46
